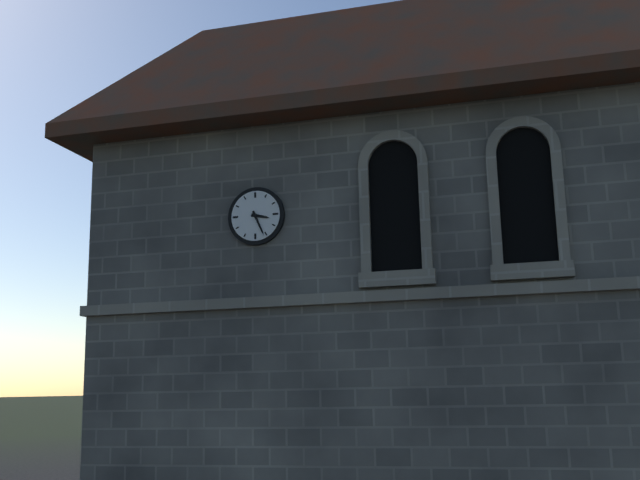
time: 3:26
